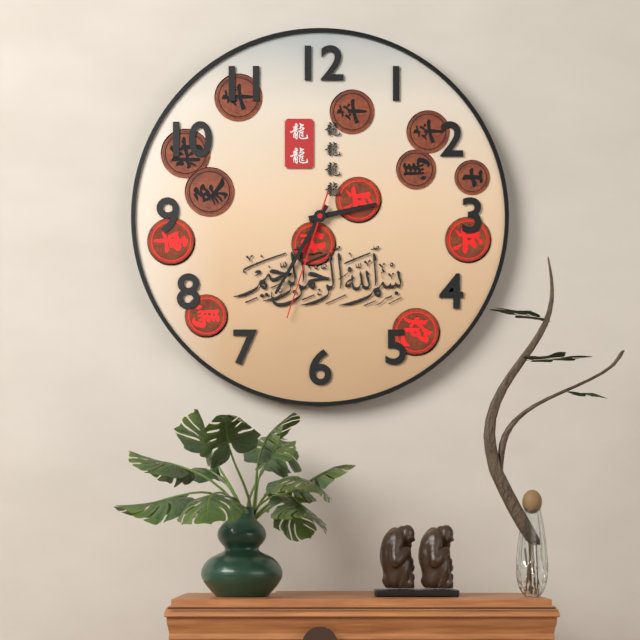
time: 2:35:33
